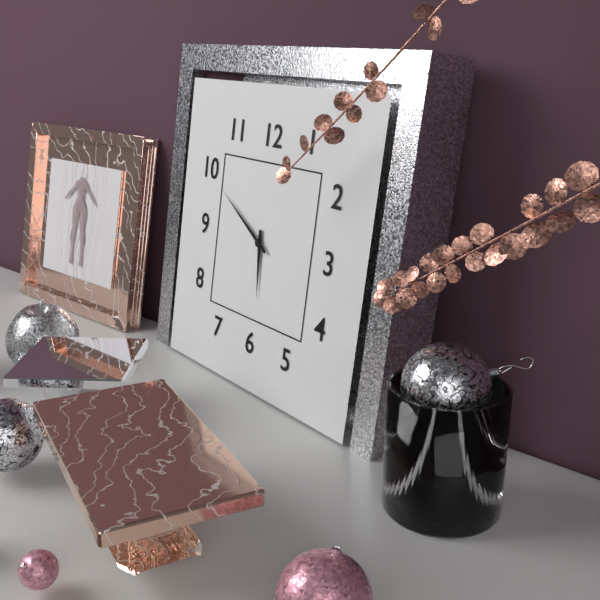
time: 5:50
